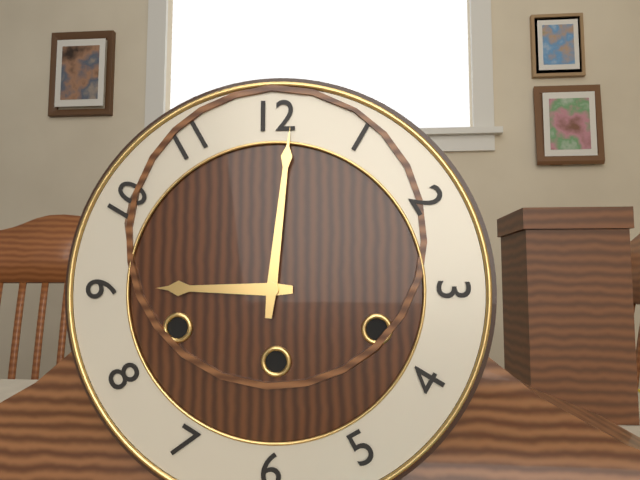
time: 9:01
